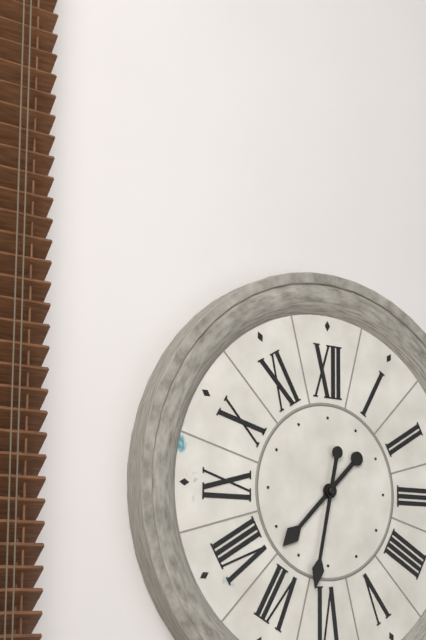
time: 7:32
